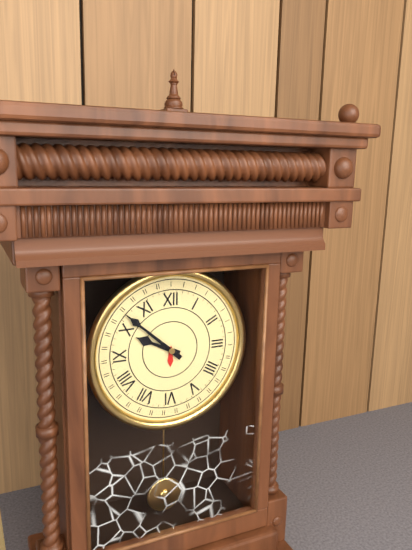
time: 9:52
